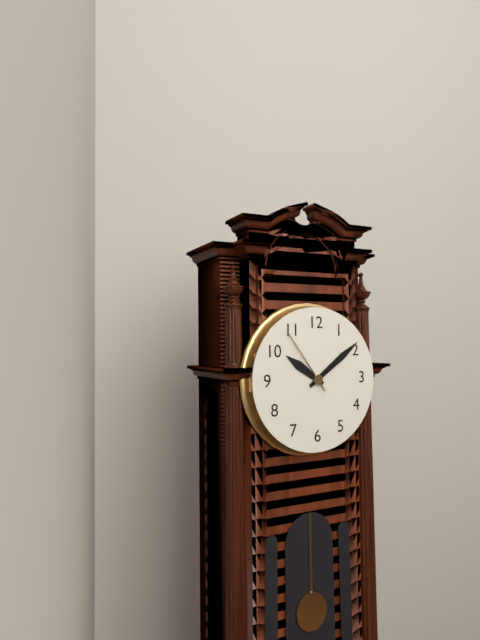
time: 10:09:54
